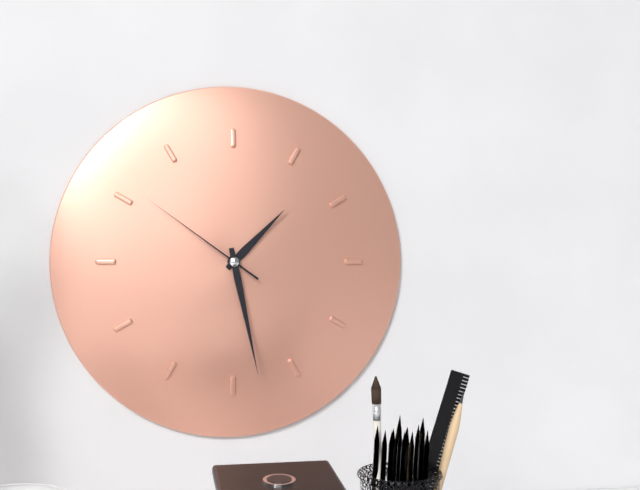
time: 1:28:51
